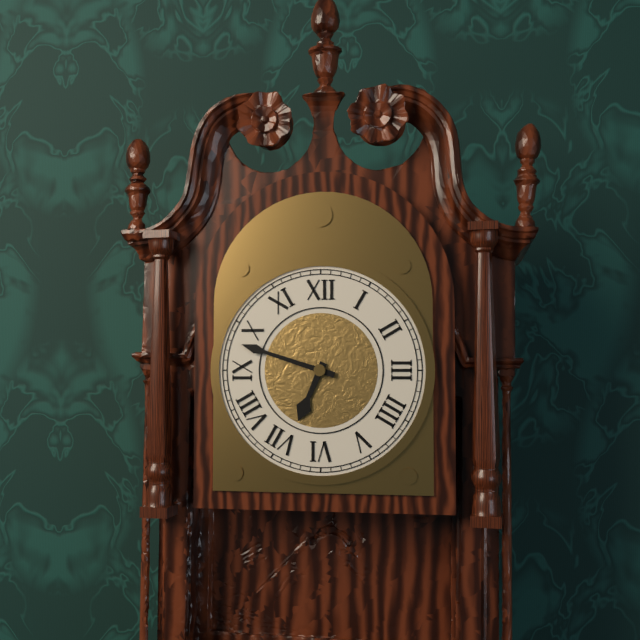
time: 6:48
